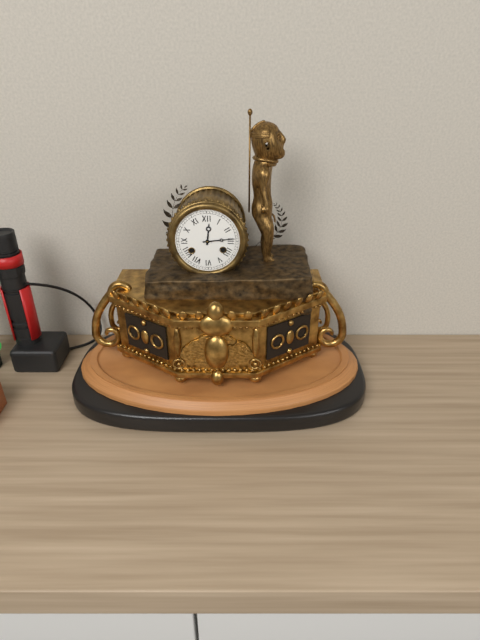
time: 12:14
